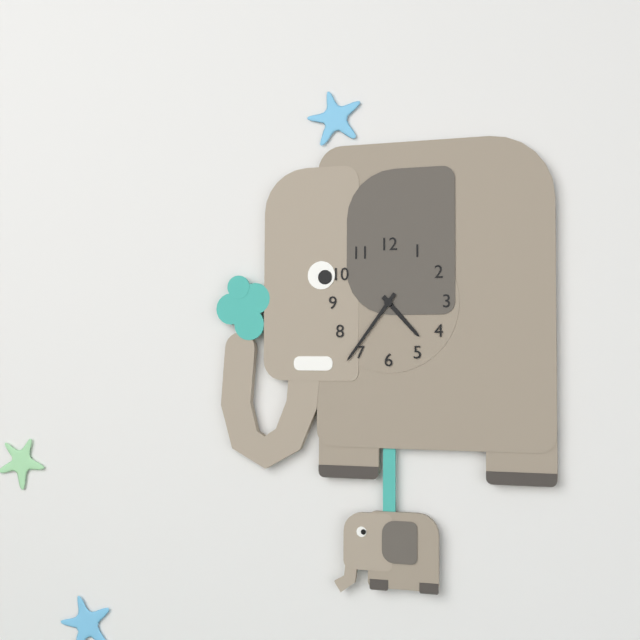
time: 4:36
